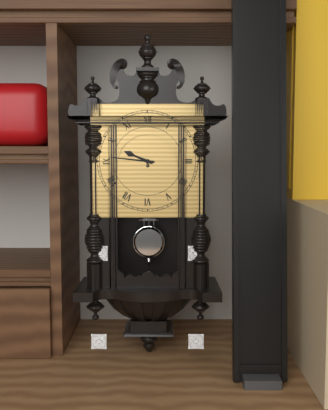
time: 9:46
